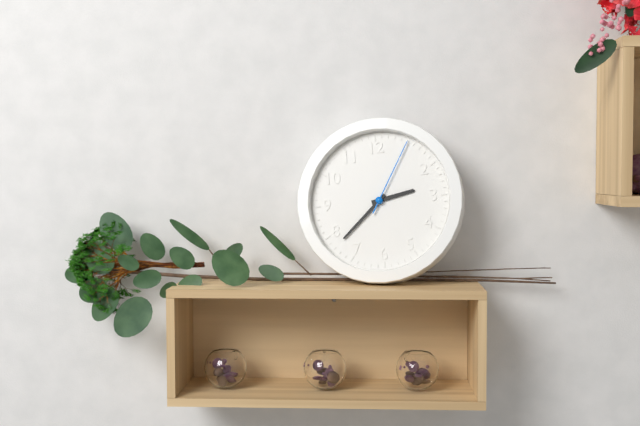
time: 2:38:05
